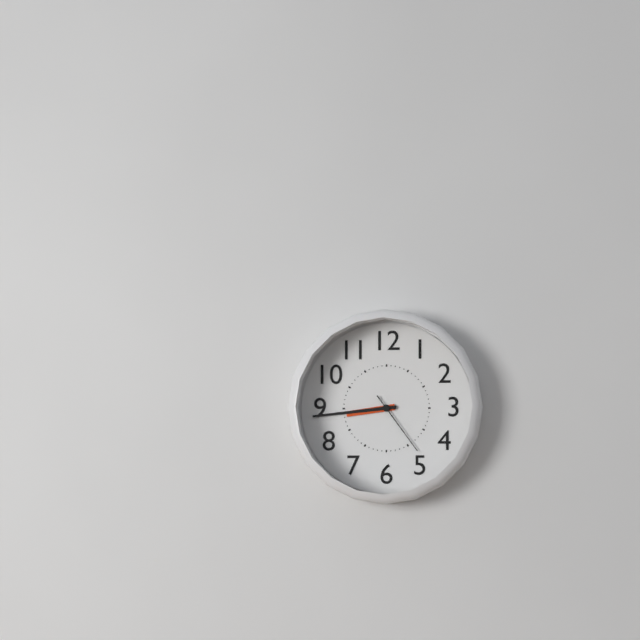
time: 8:44:24
